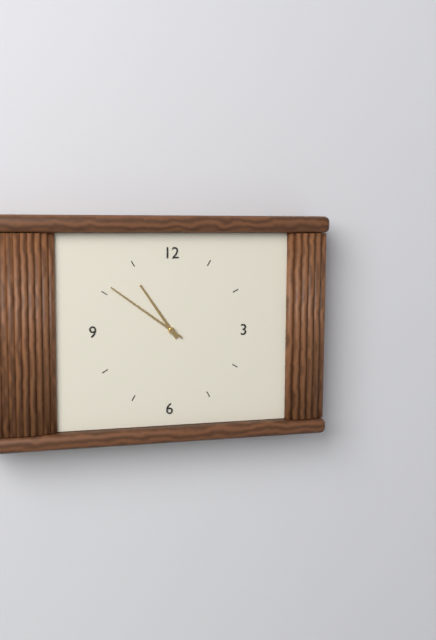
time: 10:51
